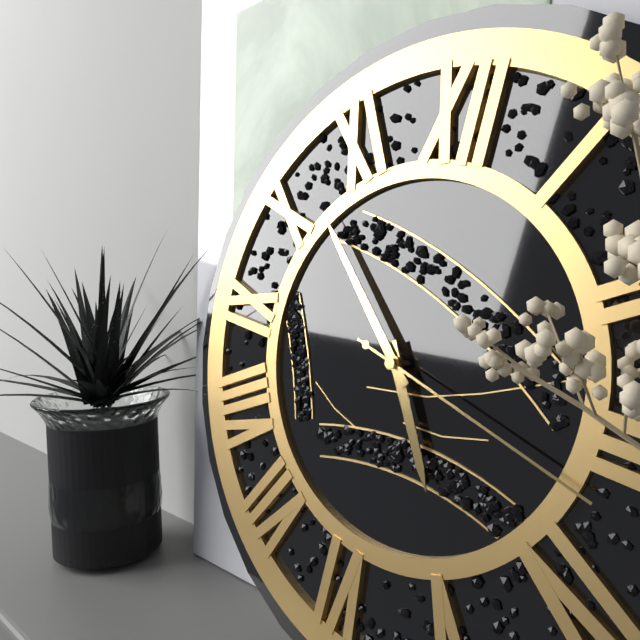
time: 4:52:17
